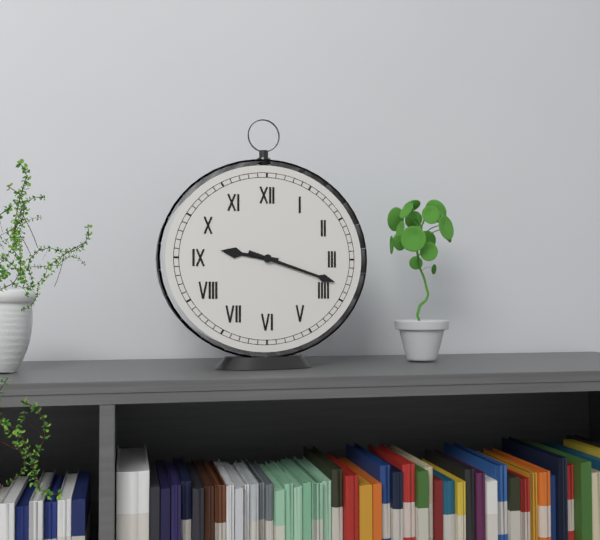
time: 9:18
